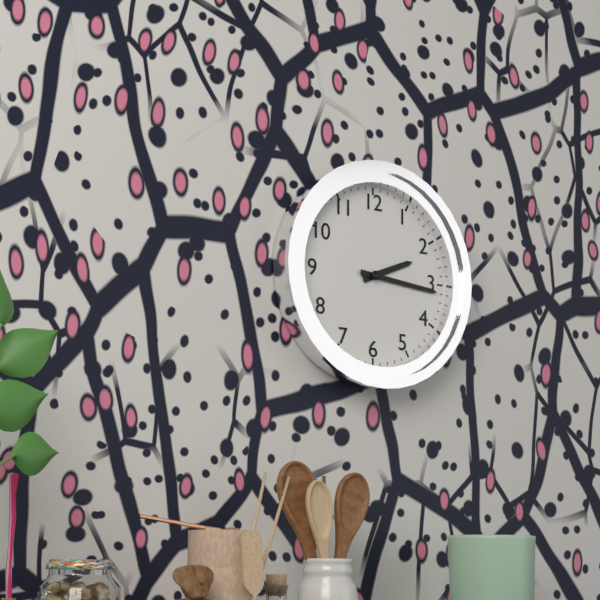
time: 2:16
